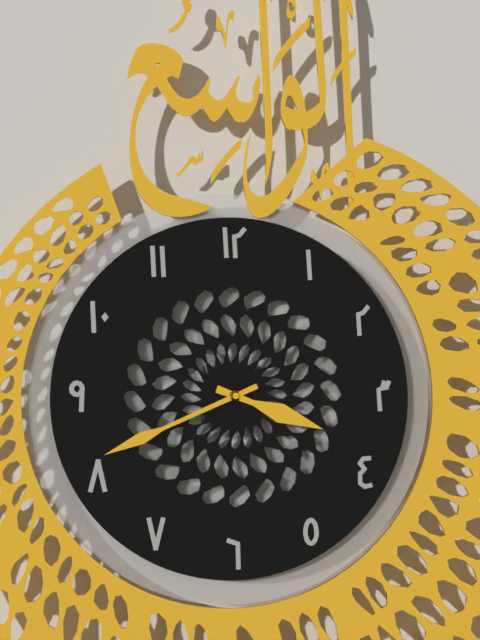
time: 3:41
